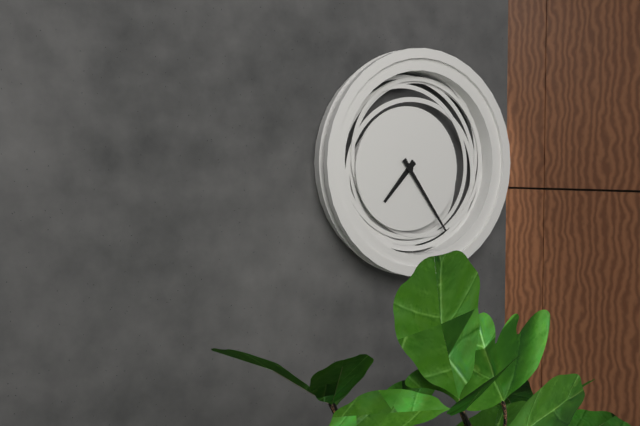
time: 7:24
